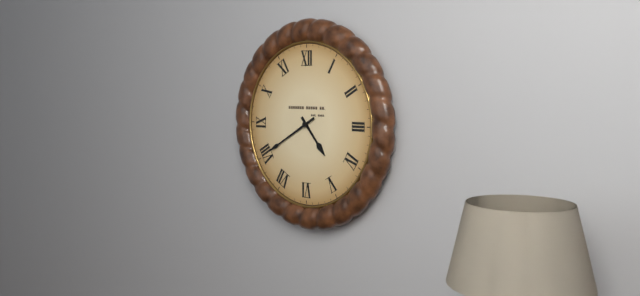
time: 4:40
